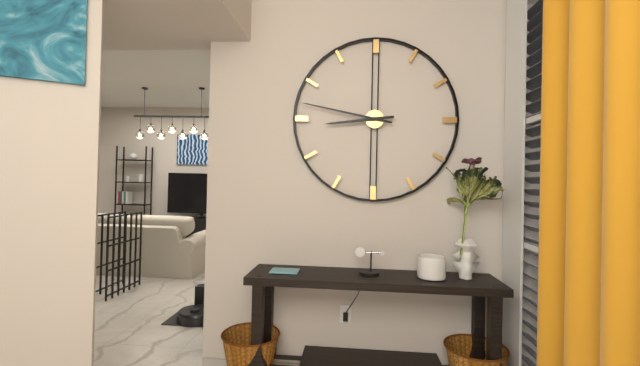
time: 8:47
